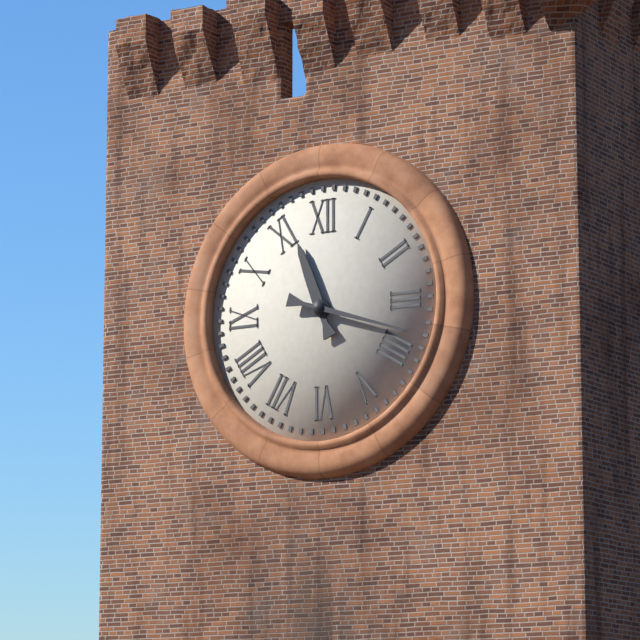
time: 11:18
